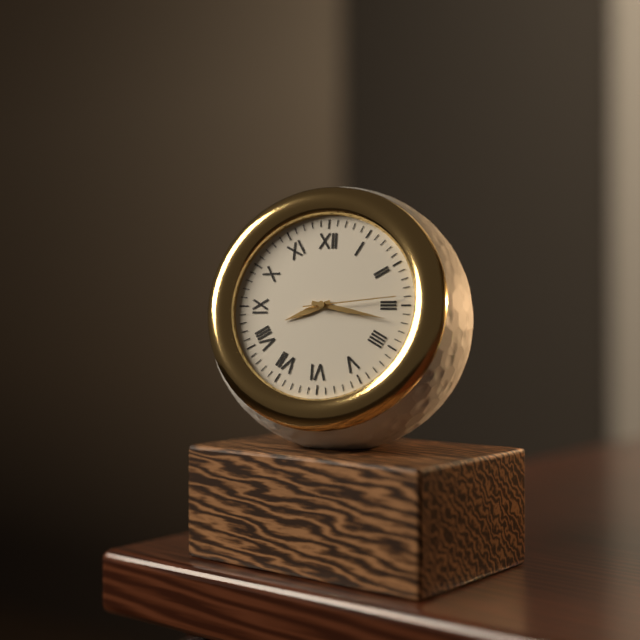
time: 8:17:14
